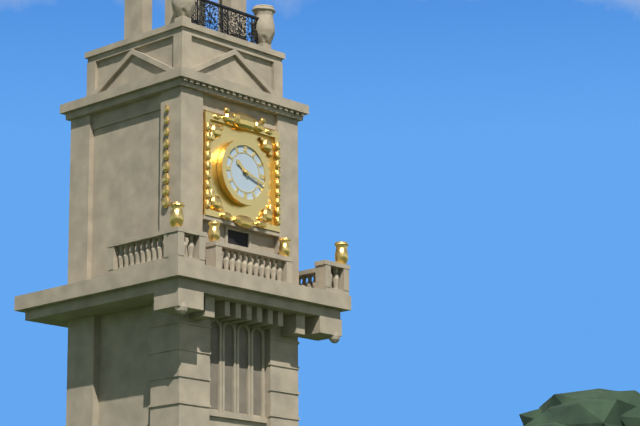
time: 10:18
